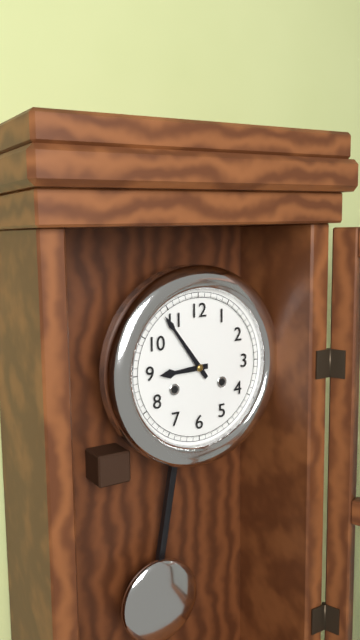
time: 8:54
